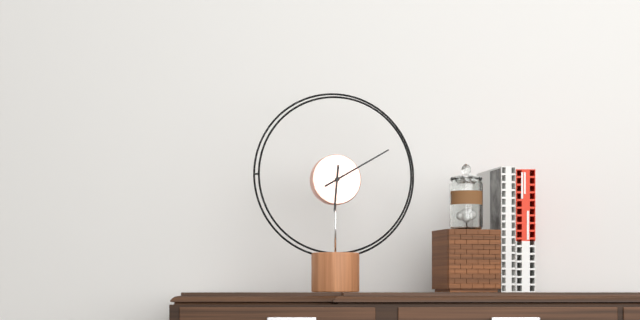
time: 6:10
